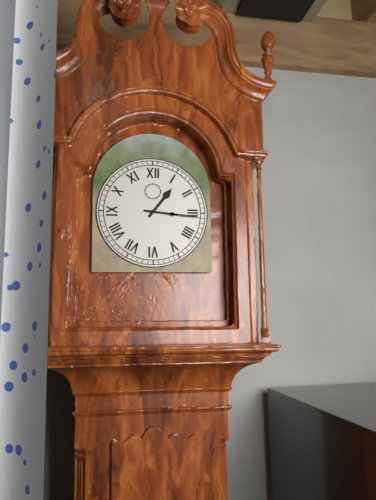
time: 1:16
